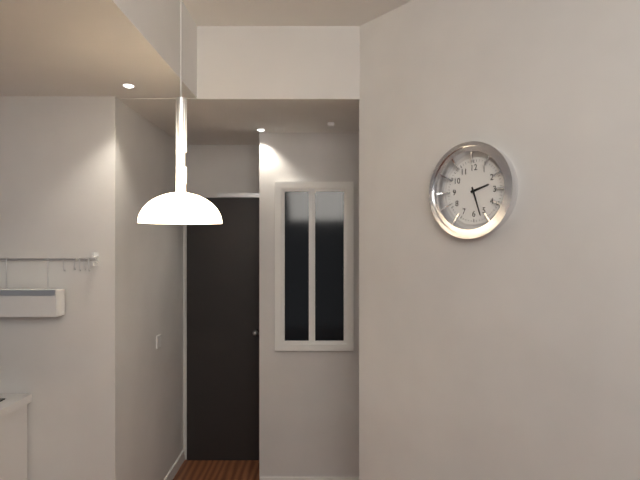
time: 2:27
